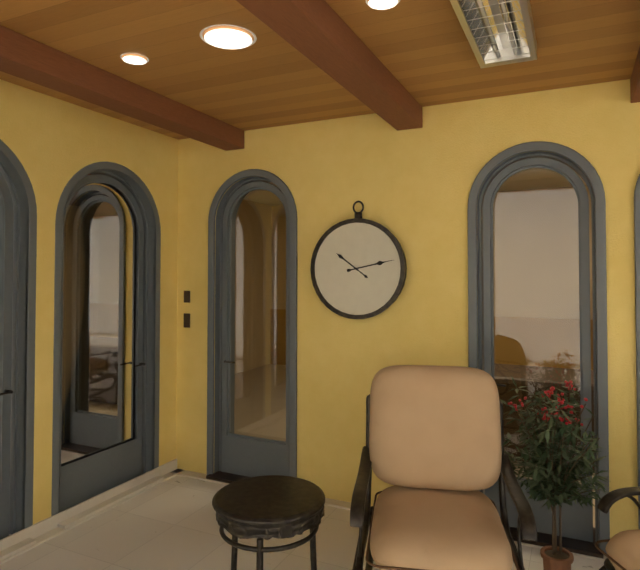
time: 10:13
